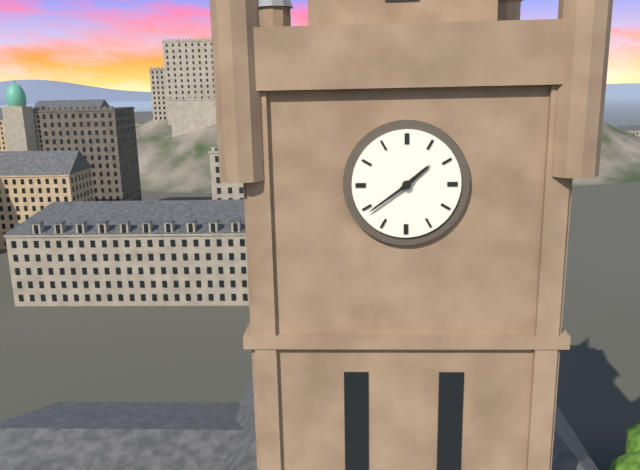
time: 1:39
